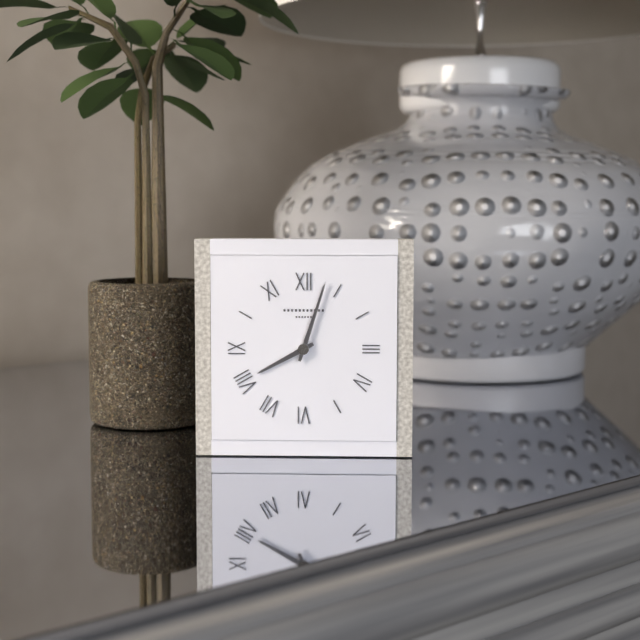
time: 8:03
